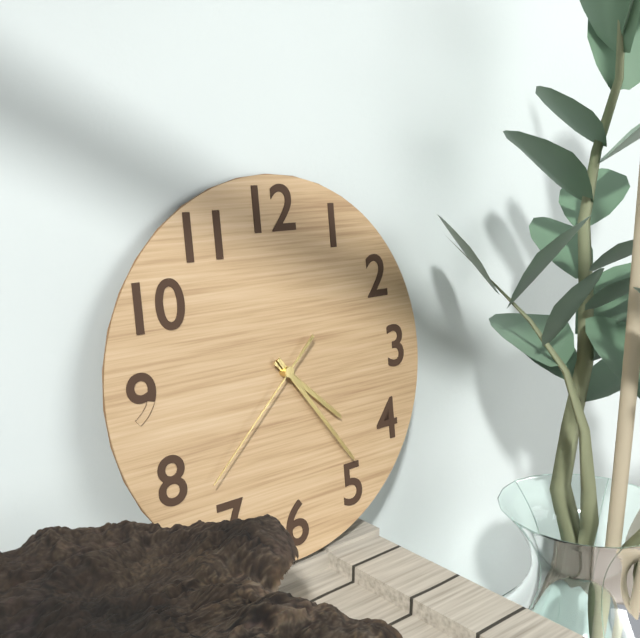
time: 4:24:38
